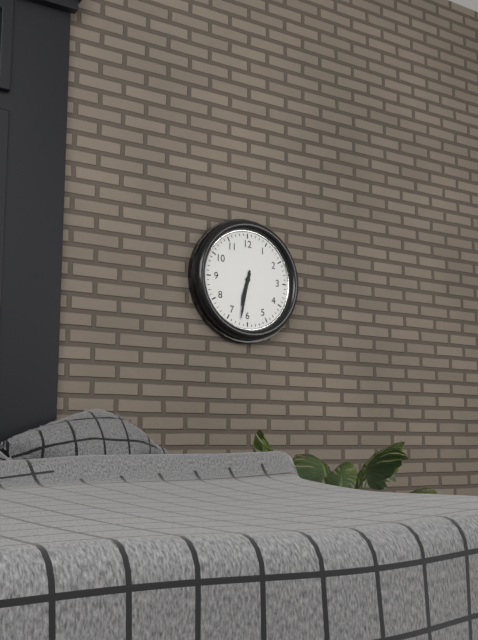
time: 6:32
